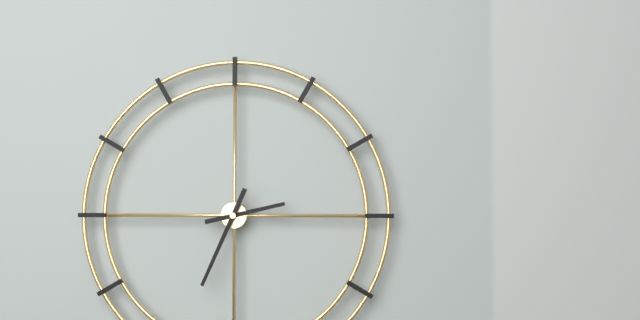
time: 2:34
